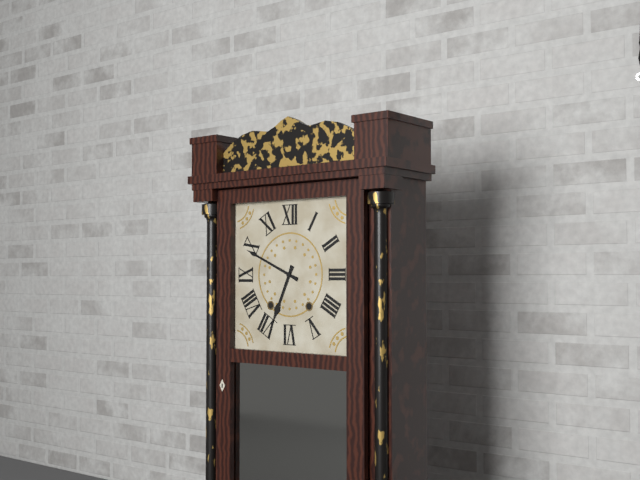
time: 6:49
